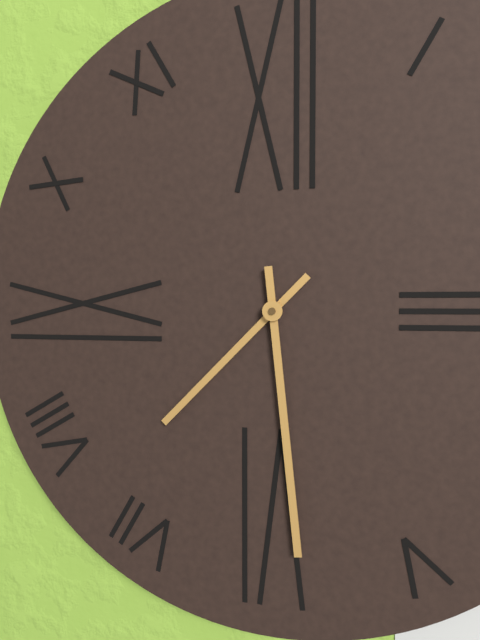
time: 7:29
